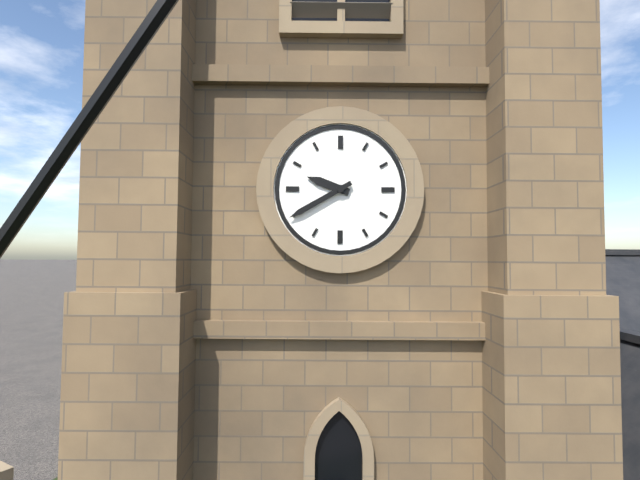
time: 9:40
